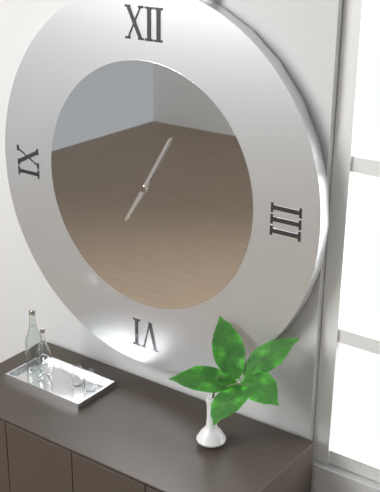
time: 7:05
